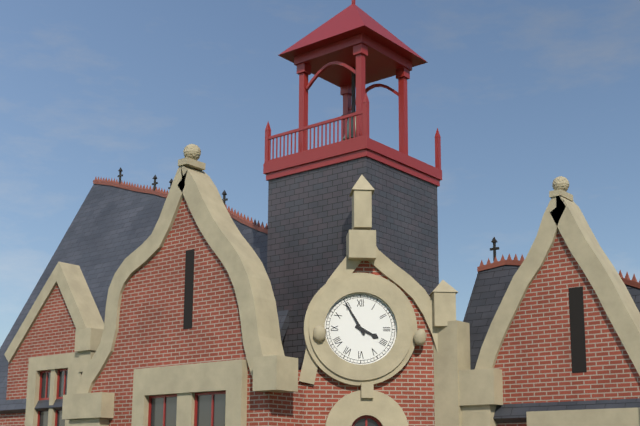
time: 3:55
